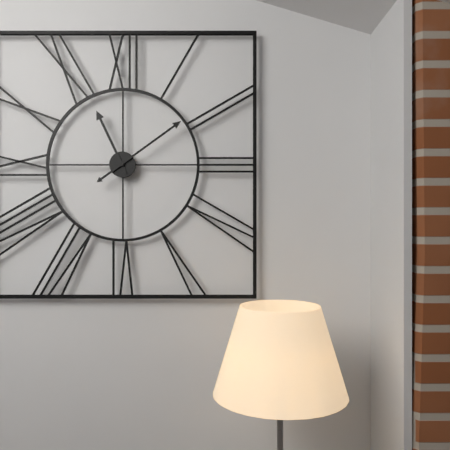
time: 11:09
